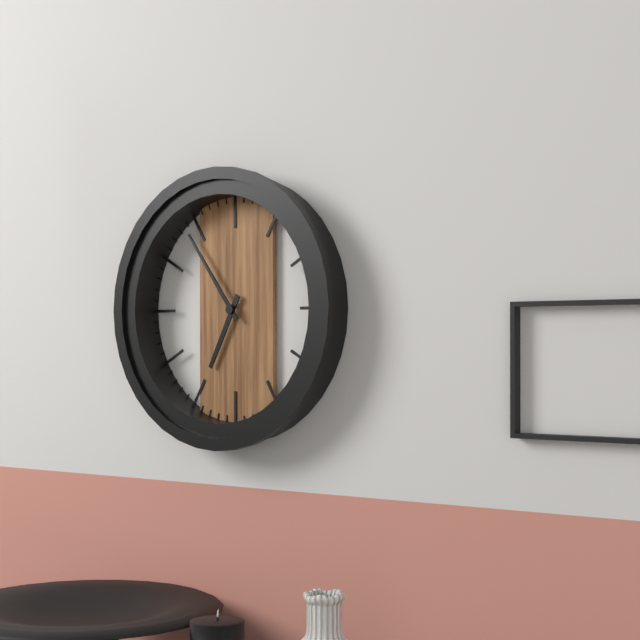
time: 6:54
